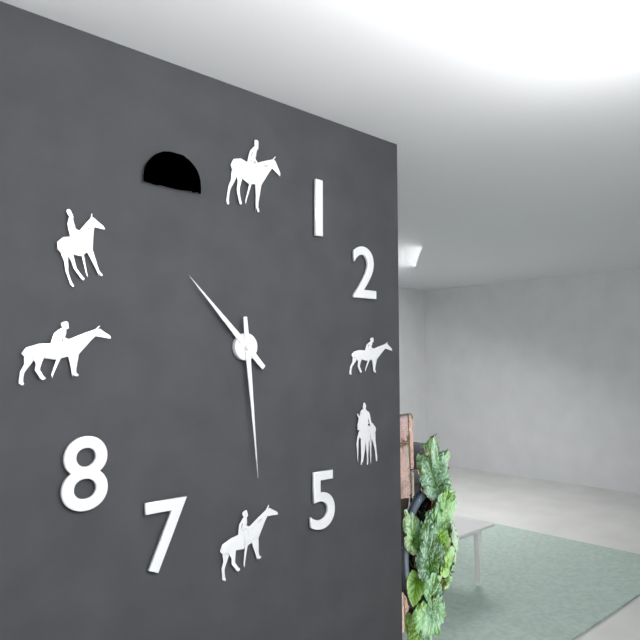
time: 10:29
